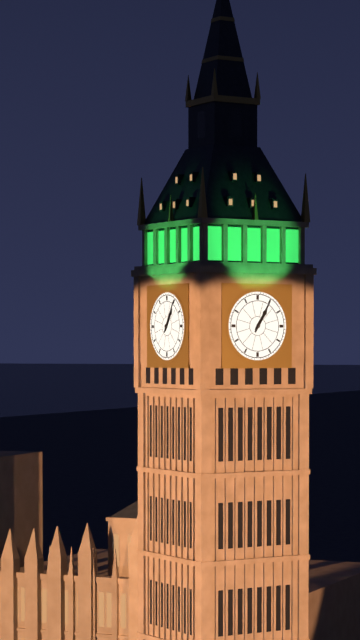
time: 1:05
